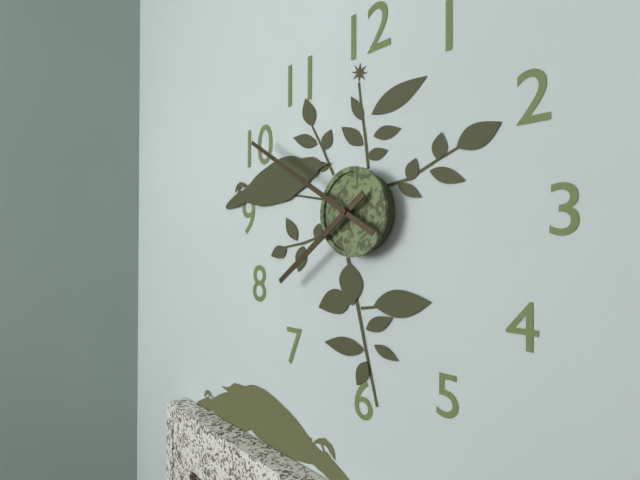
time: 7:50
